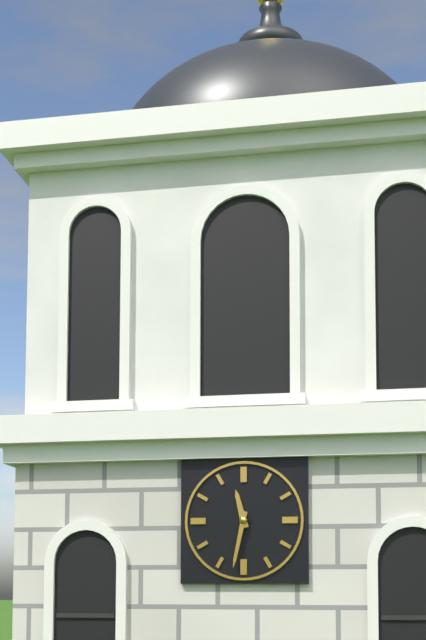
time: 11:32
